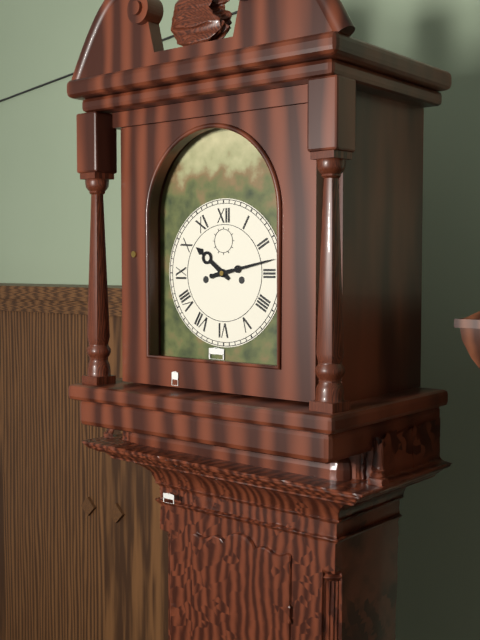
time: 10:13
